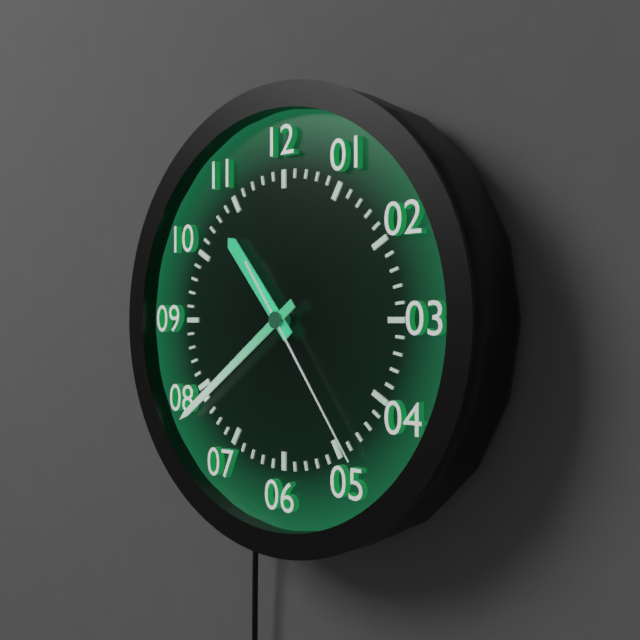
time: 10:39:24
